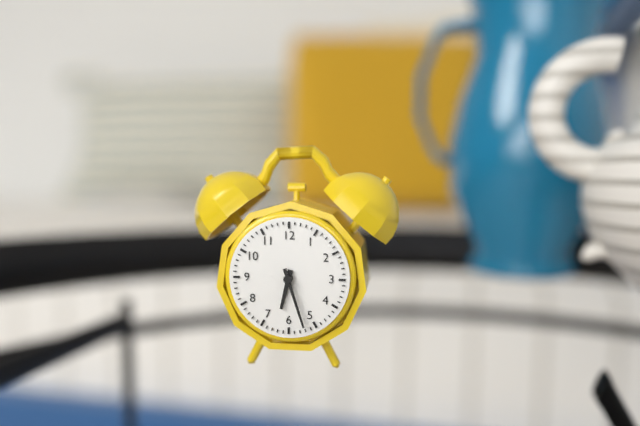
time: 6:27
